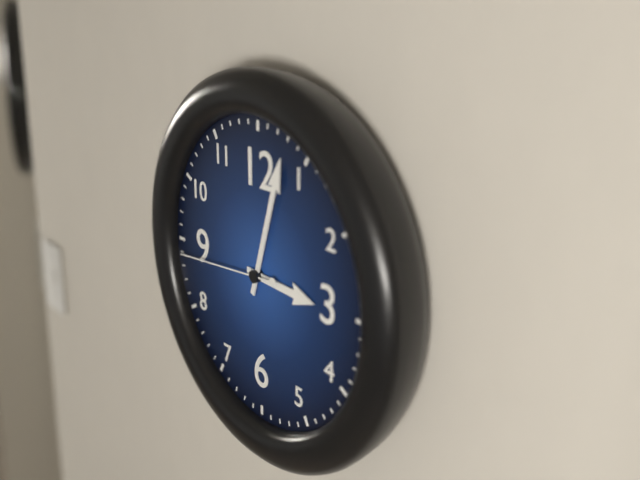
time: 3:03:44
